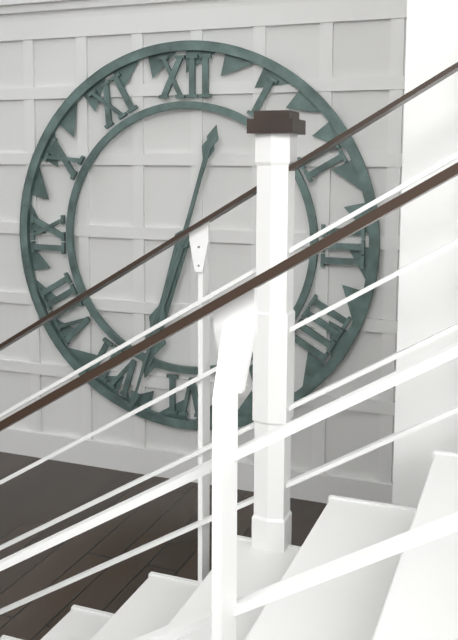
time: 6:33
